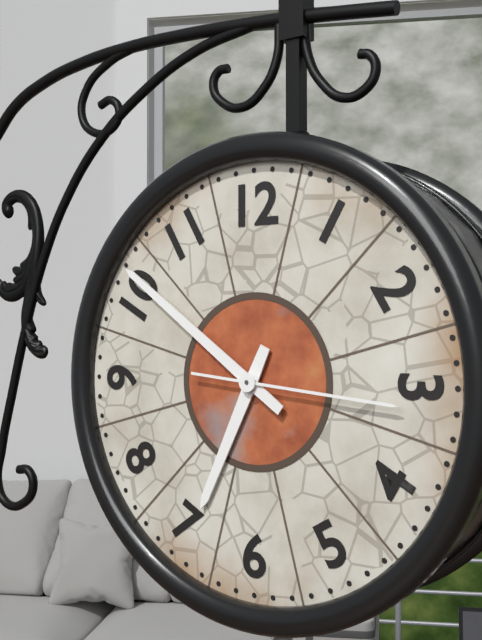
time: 6:51:16
